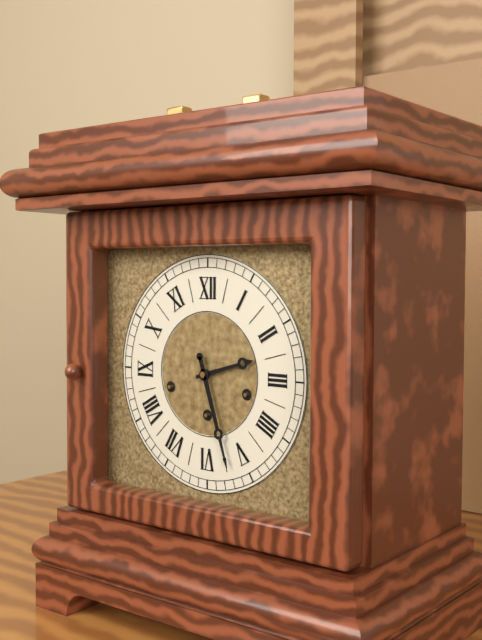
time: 2:27
